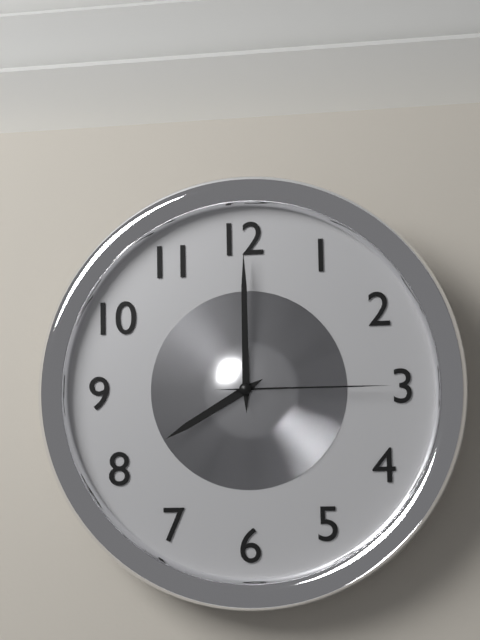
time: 8:00:15
